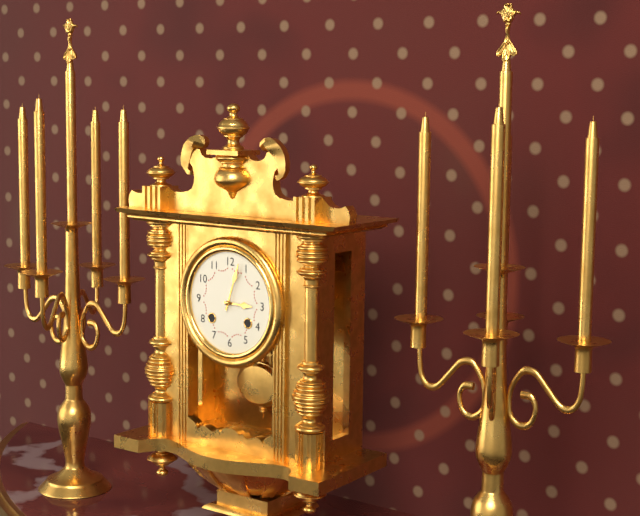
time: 3:03
